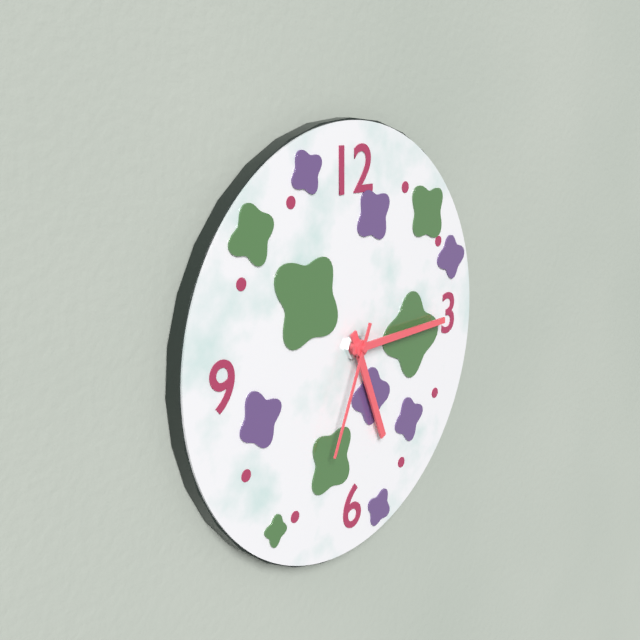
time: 5:15:34
